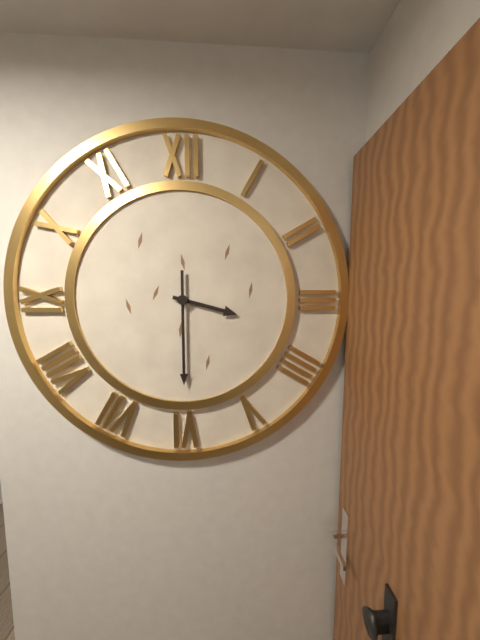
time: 3:30
